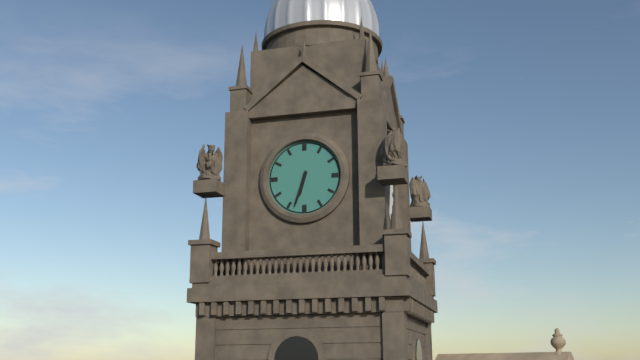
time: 6:33
